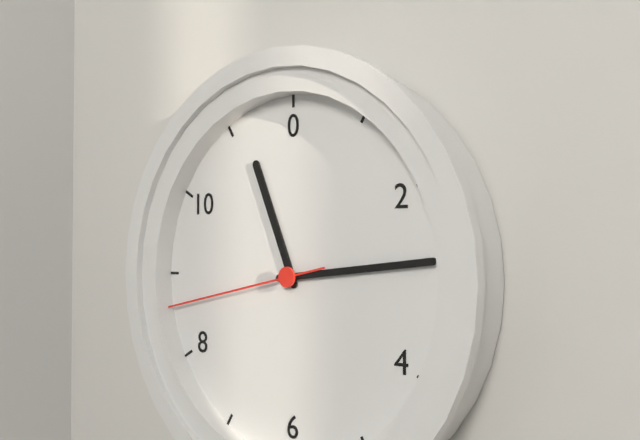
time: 11:14:43
